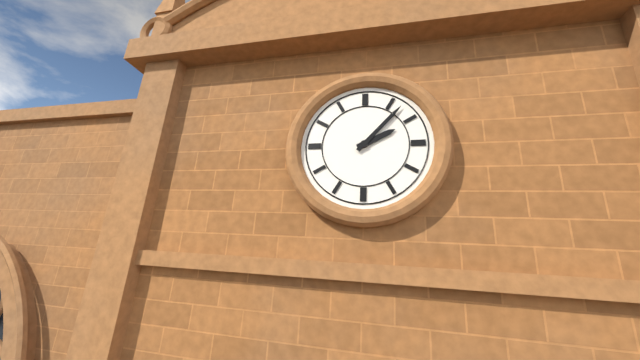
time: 2:07
